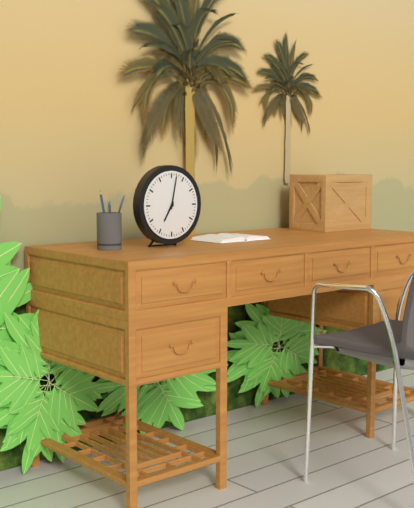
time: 7:02
